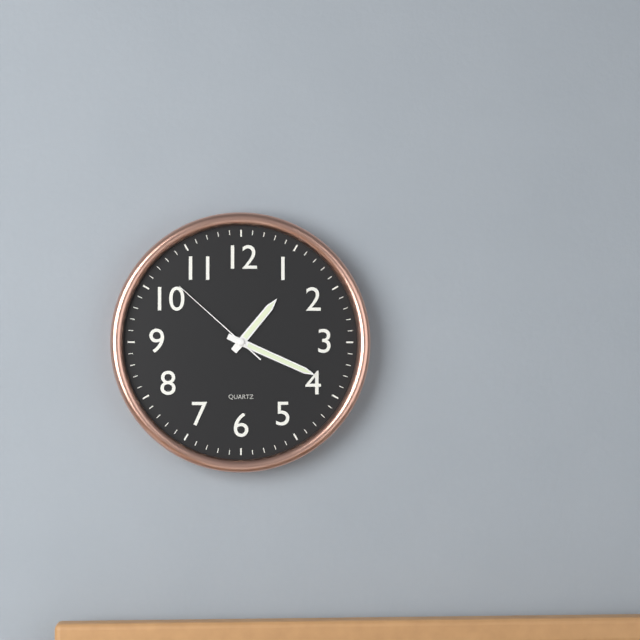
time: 1:19:52
